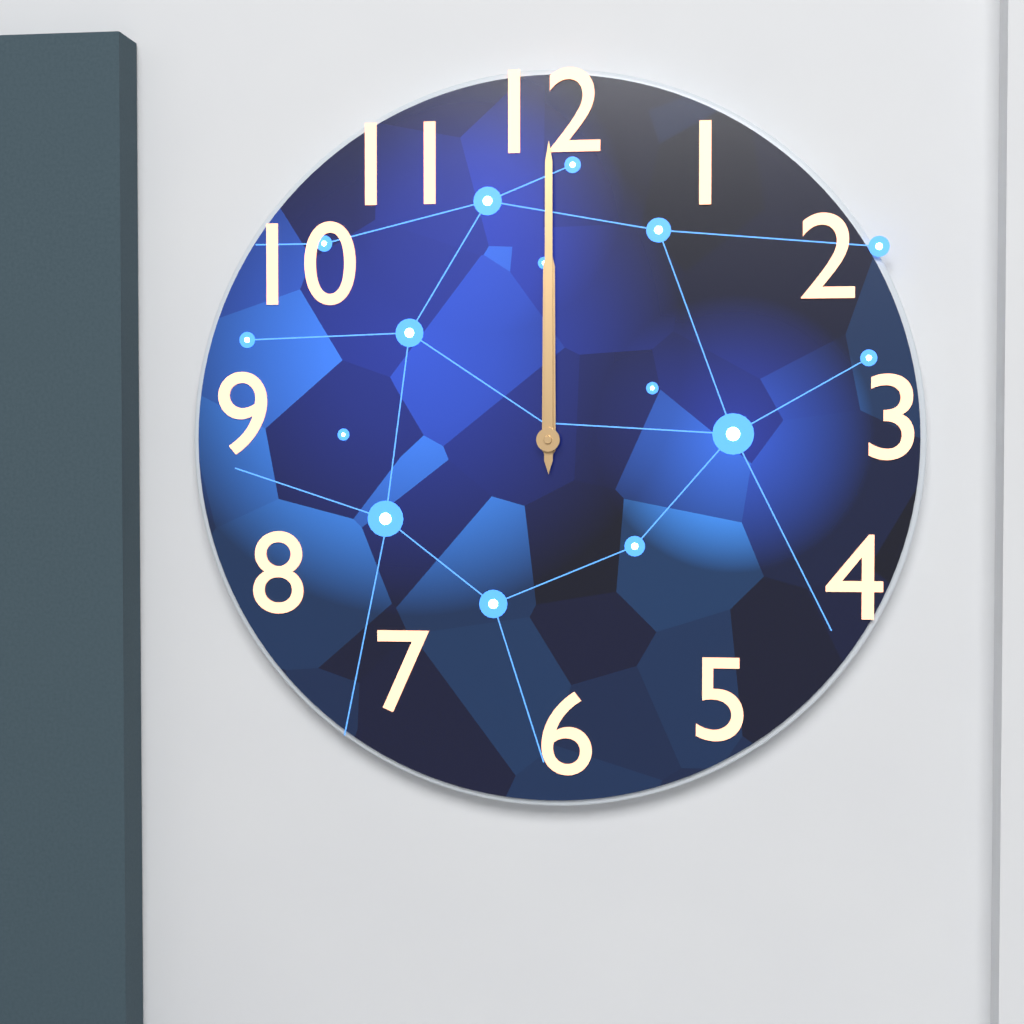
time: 12:00
